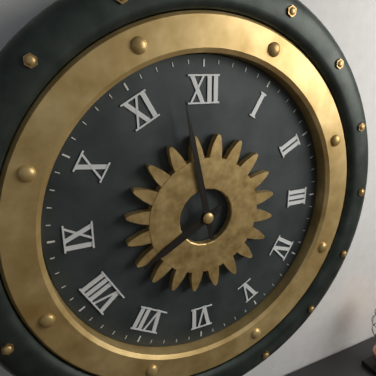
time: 7:58
